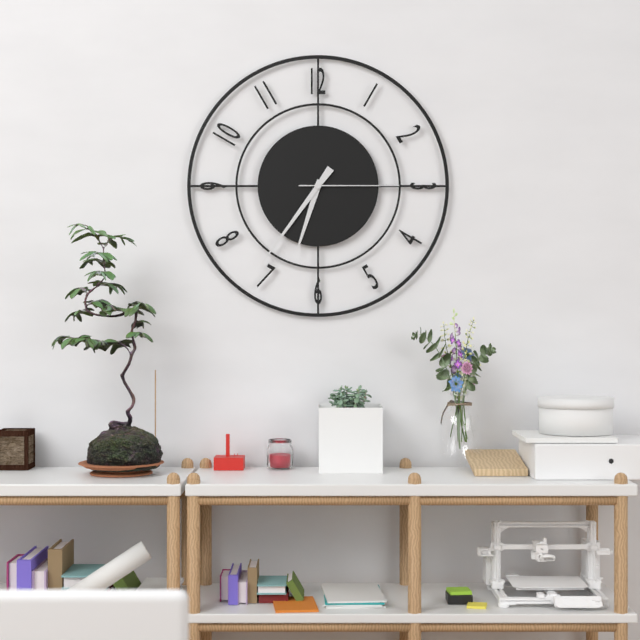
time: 6:36:15
